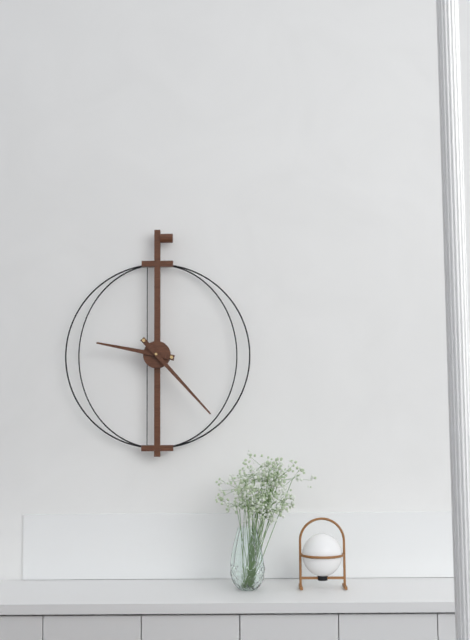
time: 9:23
